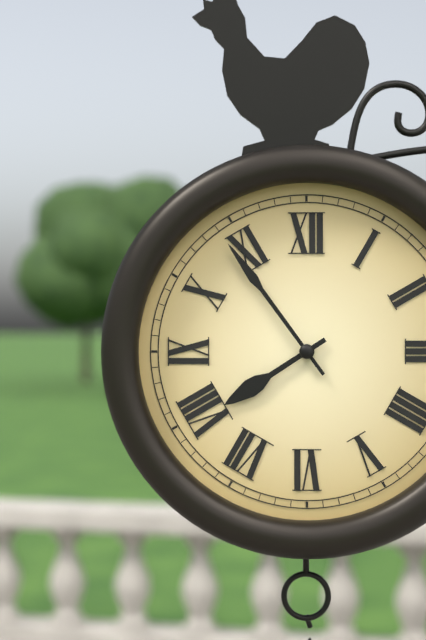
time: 7:54
